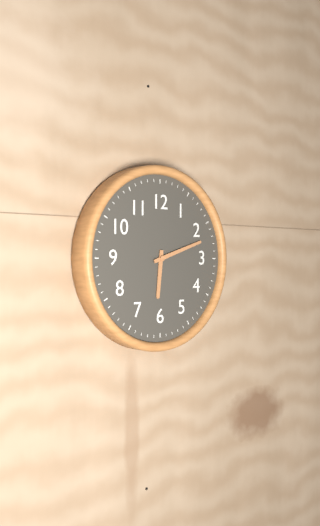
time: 6:12
